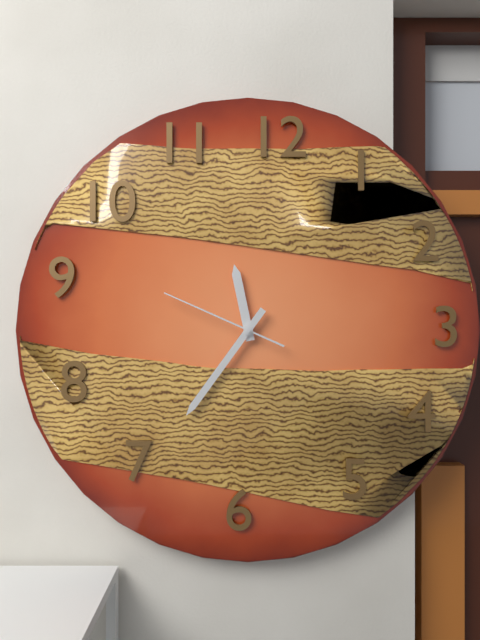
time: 11:36:49
